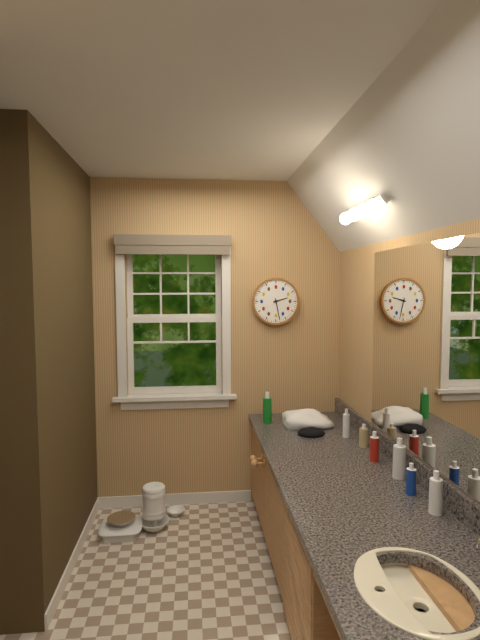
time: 2:28
